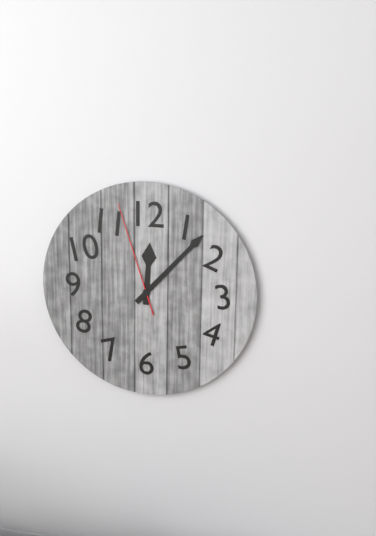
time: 12:07:57
